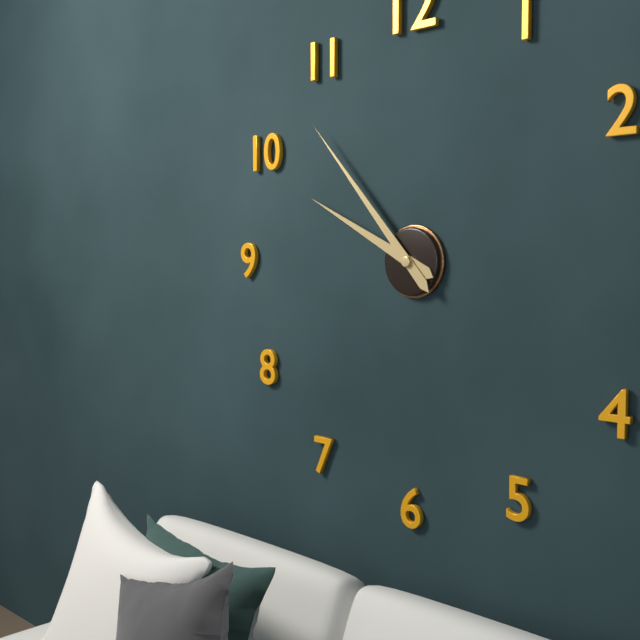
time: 9:53
